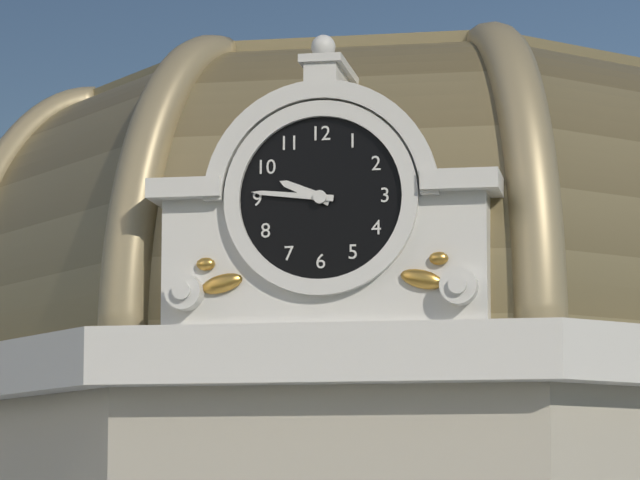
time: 9:46
